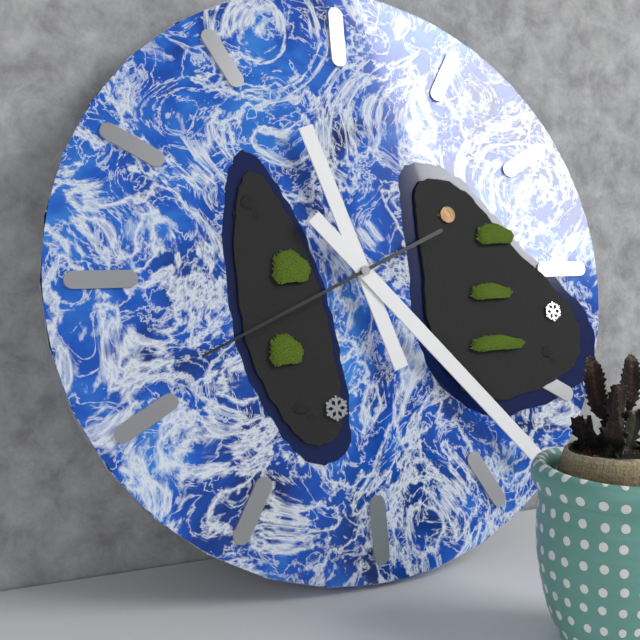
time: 11:23:41
